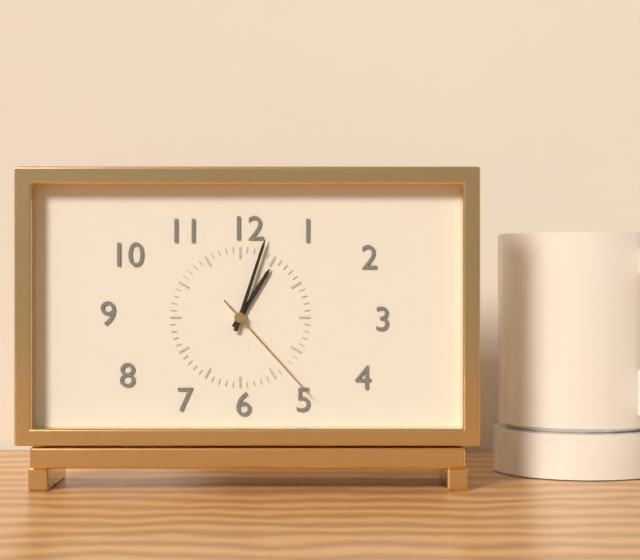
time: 1:03:23
